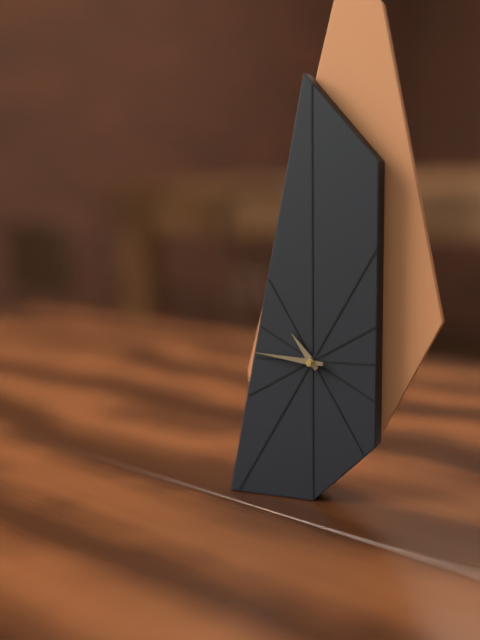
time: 10:46
